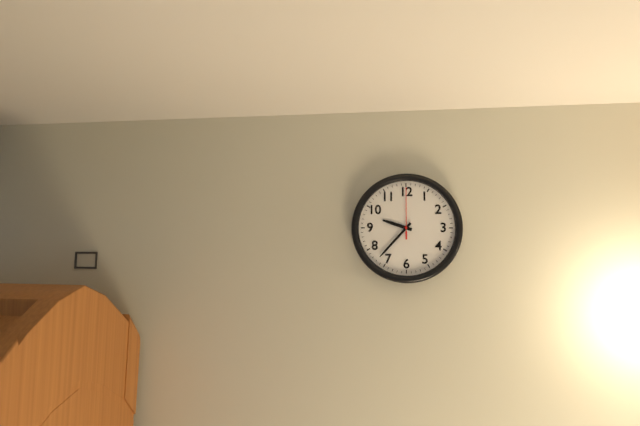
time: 9:37:00
